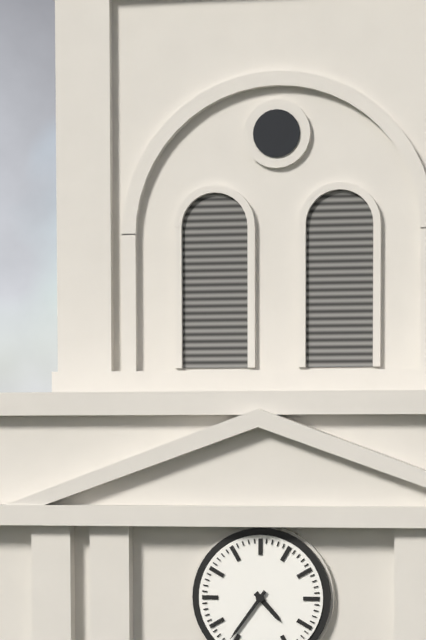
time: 4:36
